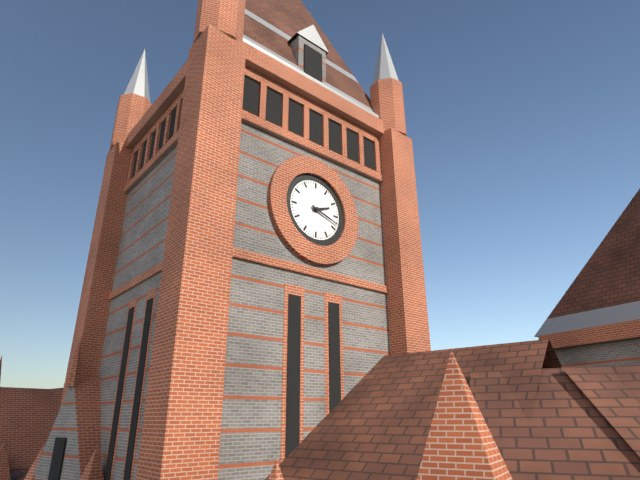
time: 2:18
